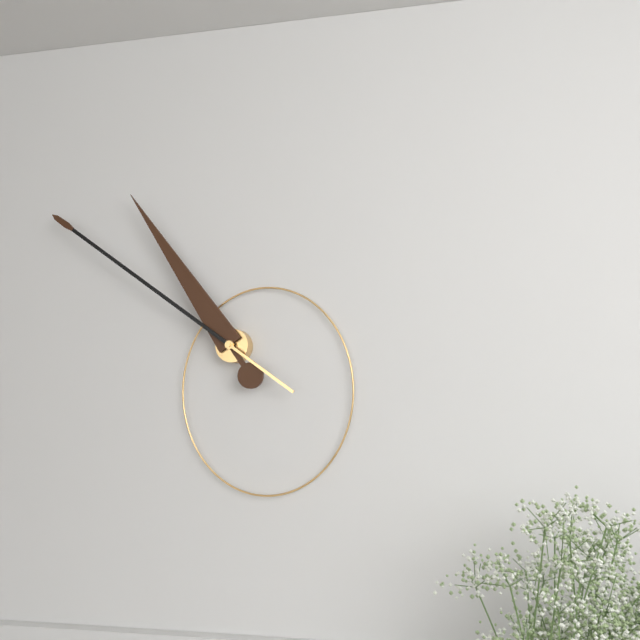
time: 10:51
